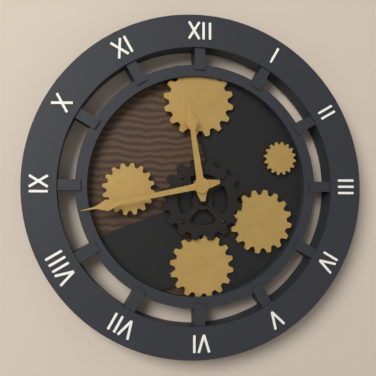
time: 11:43
